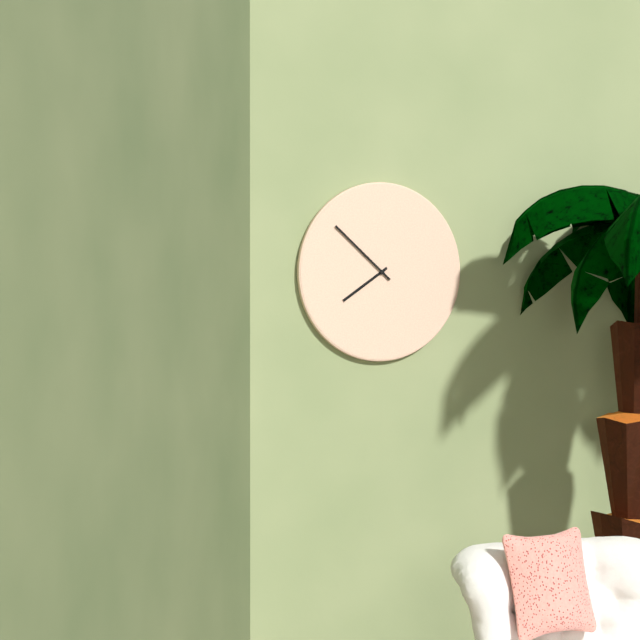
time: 7:52
